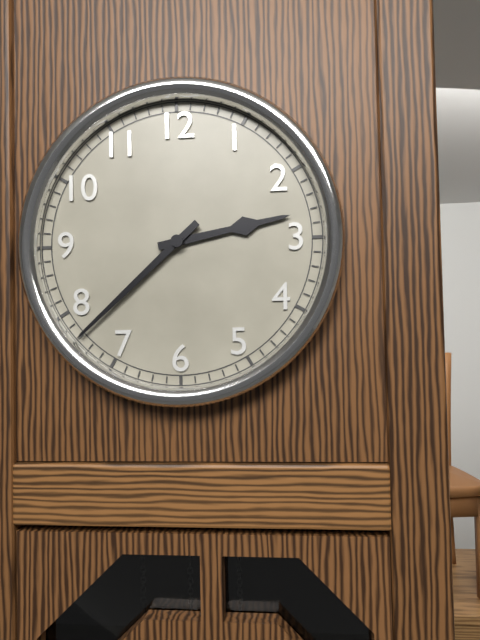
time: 2:38
